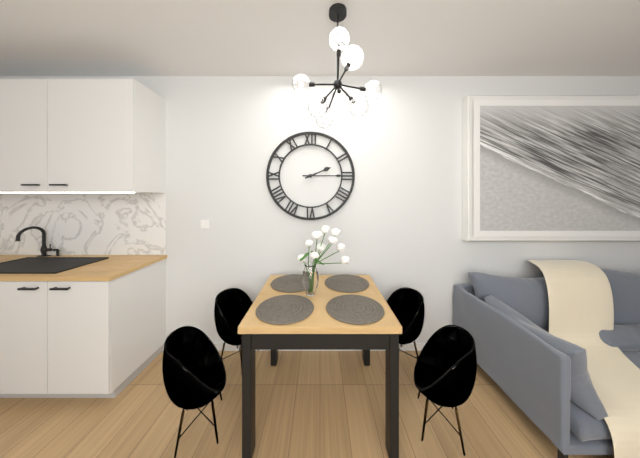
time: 2:15
